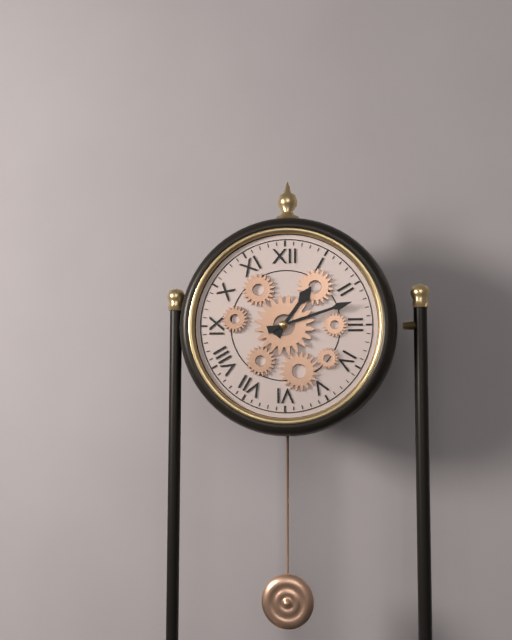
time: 1:12
